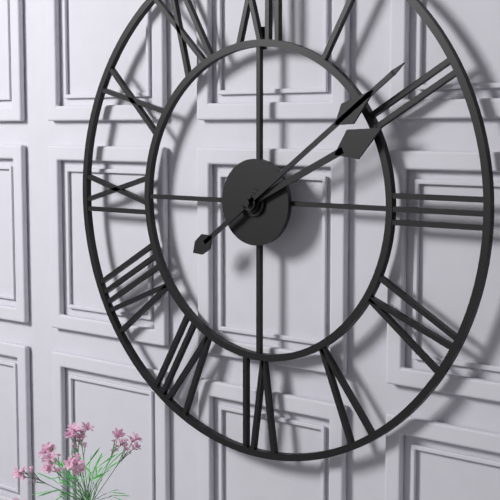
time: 2:09
